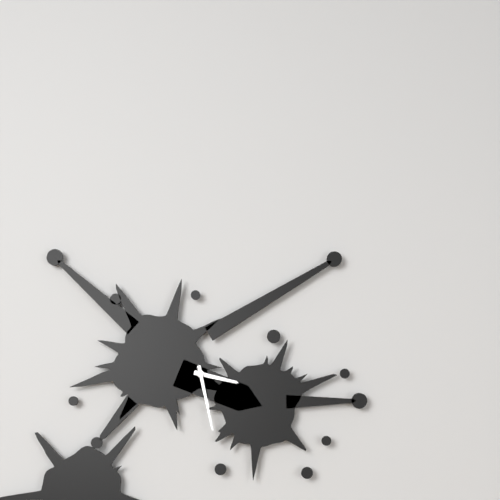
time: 3:28
